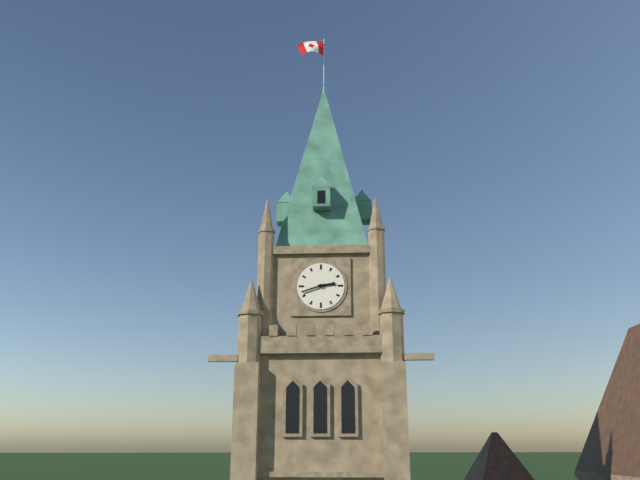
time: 2:42
